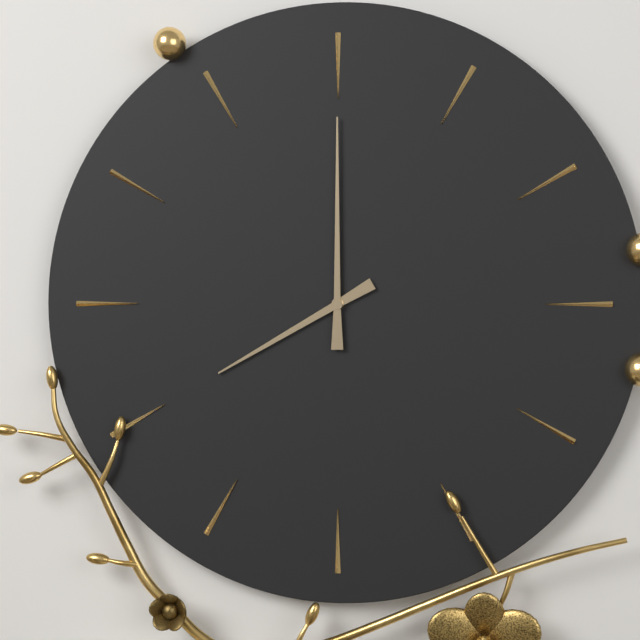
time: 8:00
